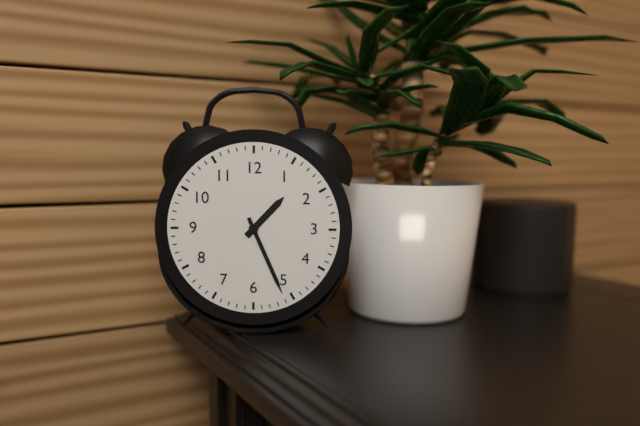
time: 1:26
